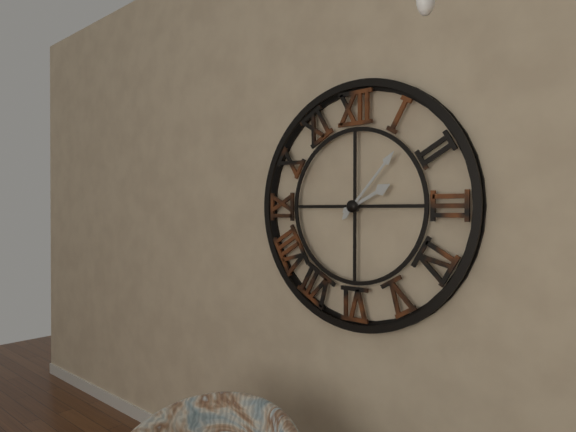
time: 2:07
